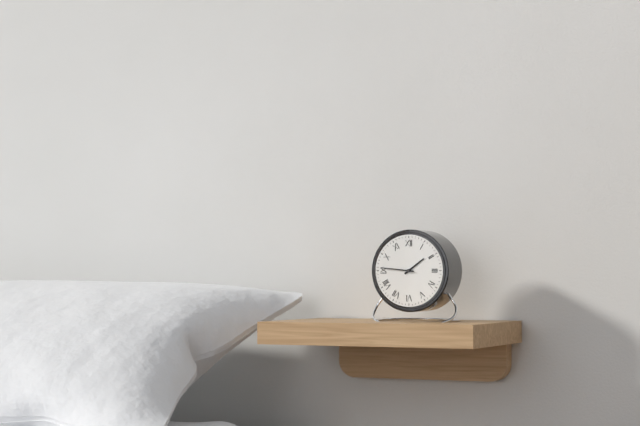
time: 1:46
